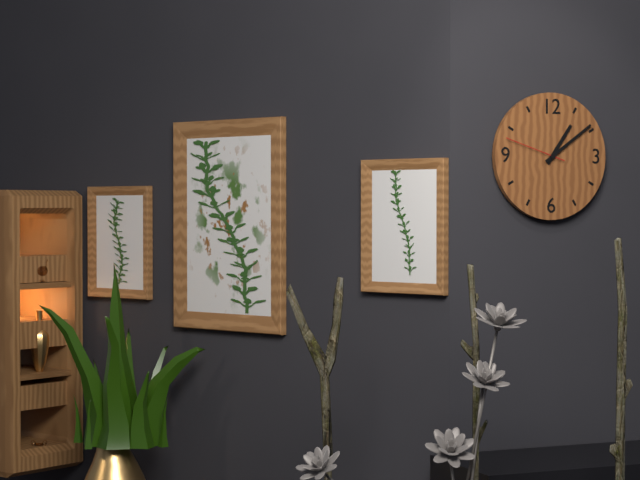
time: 1:09:48
